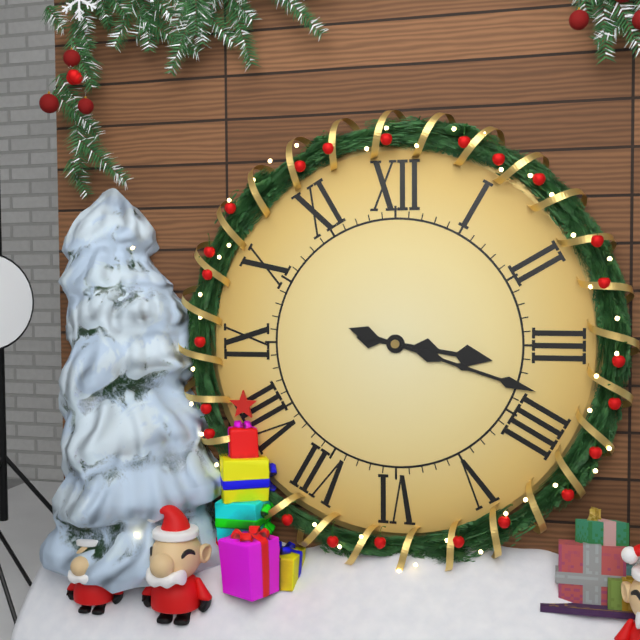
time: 3:18
